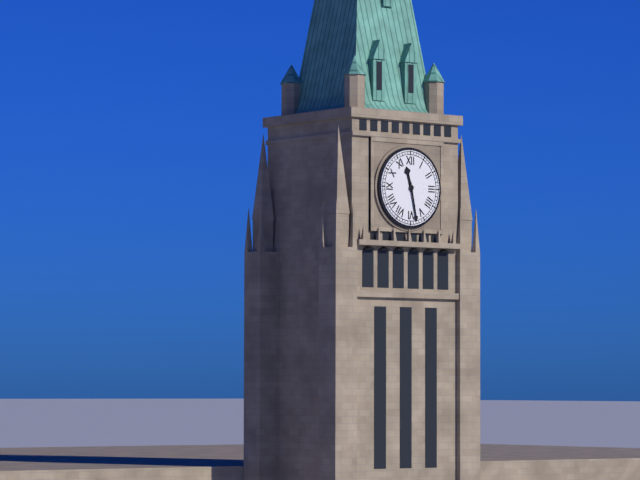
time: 11:28
